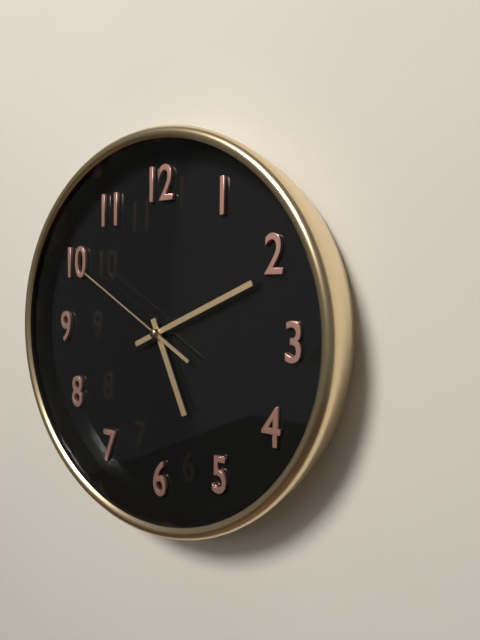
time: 5:11:50
